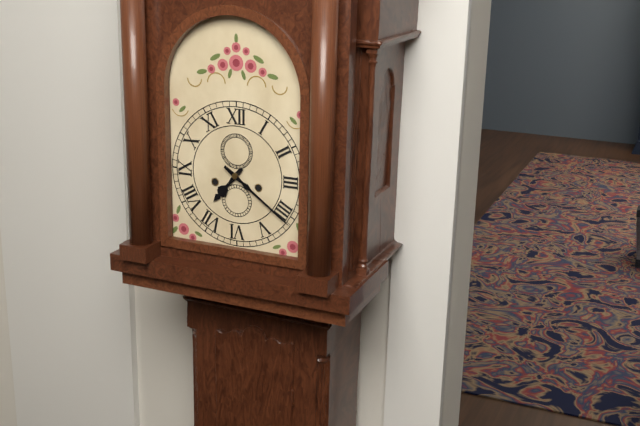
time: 7:21
